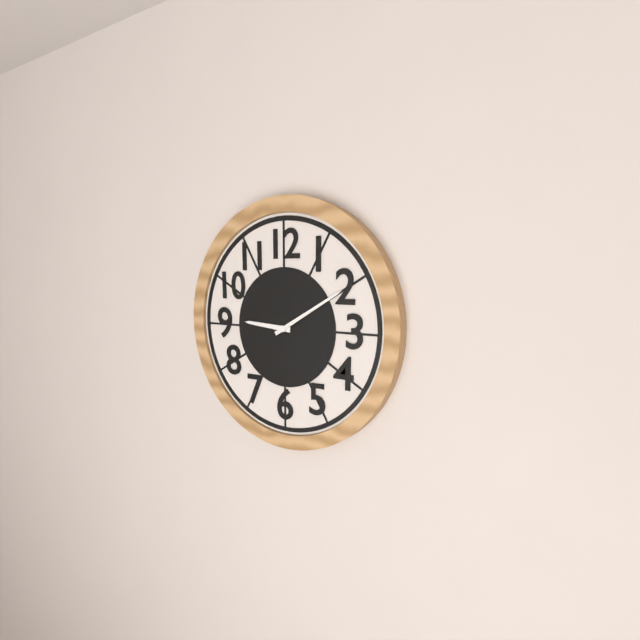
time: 9:10
